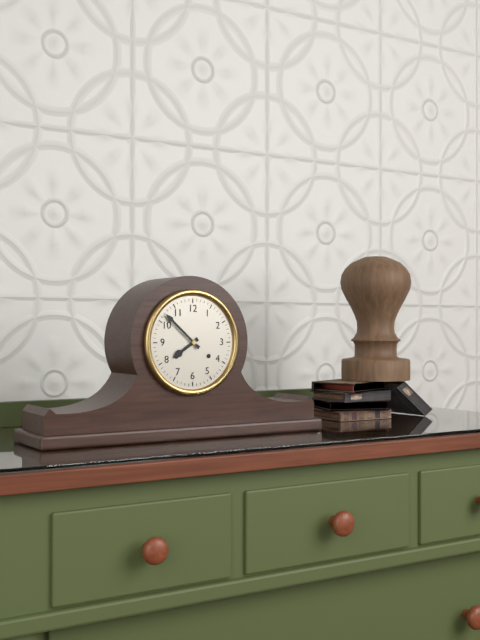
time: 7:52
